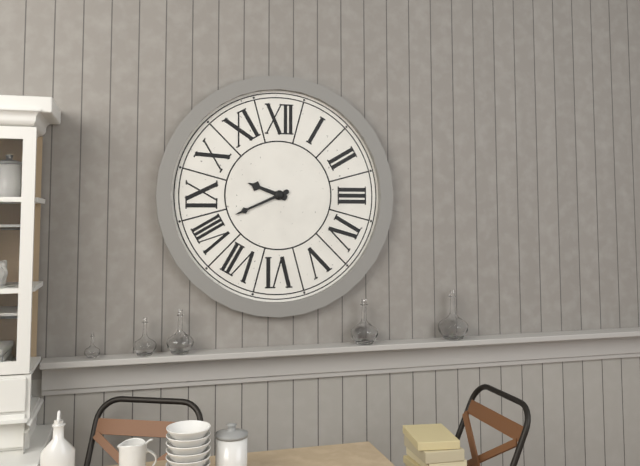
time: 9:41
